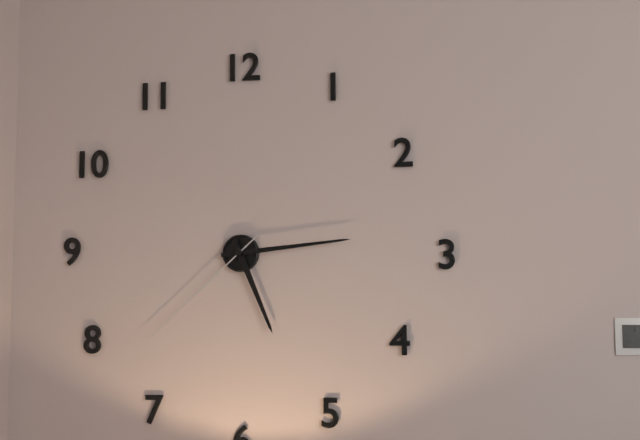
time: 5:14:38
